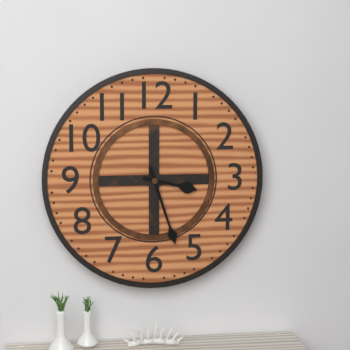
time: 3:27
